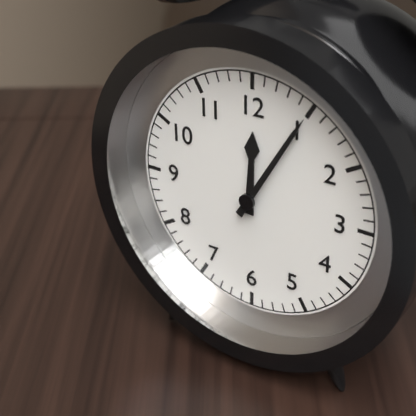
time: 12:05
